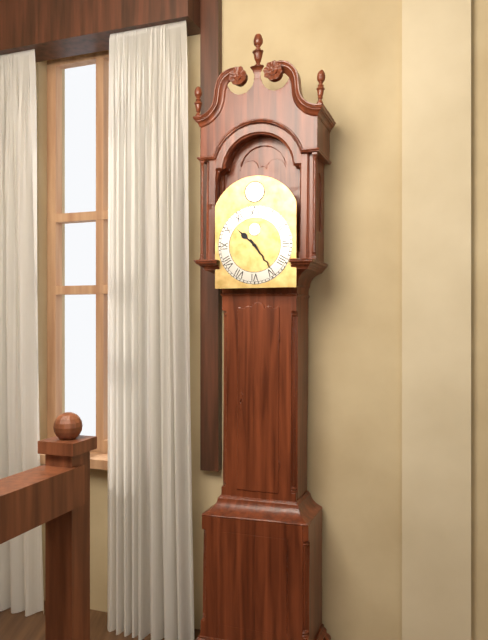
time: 10:24
